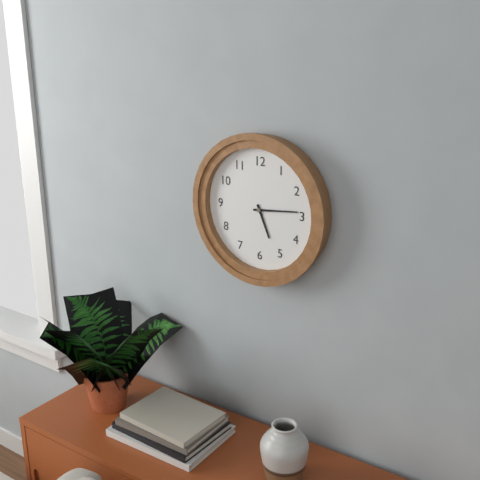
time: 5:14
